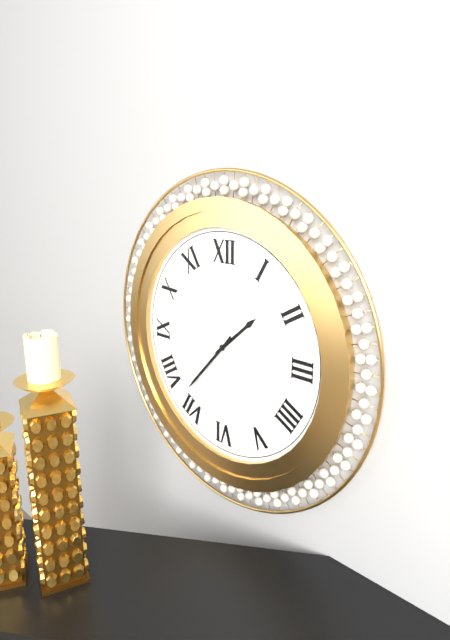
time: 1:37
